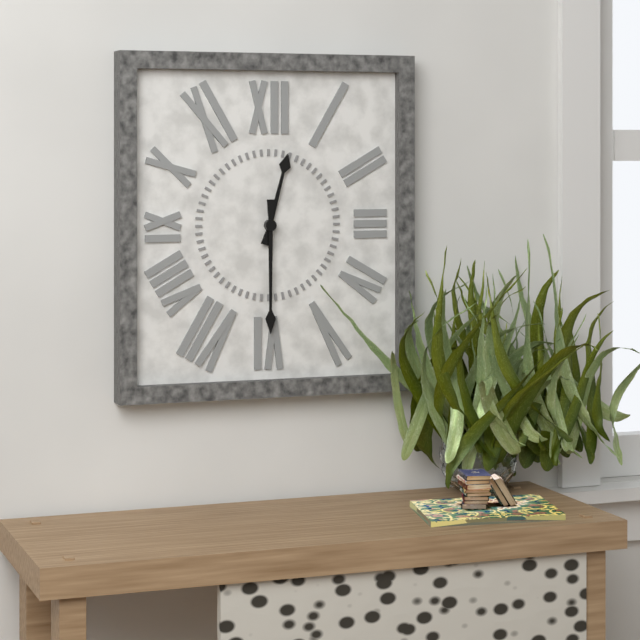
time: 12:30
